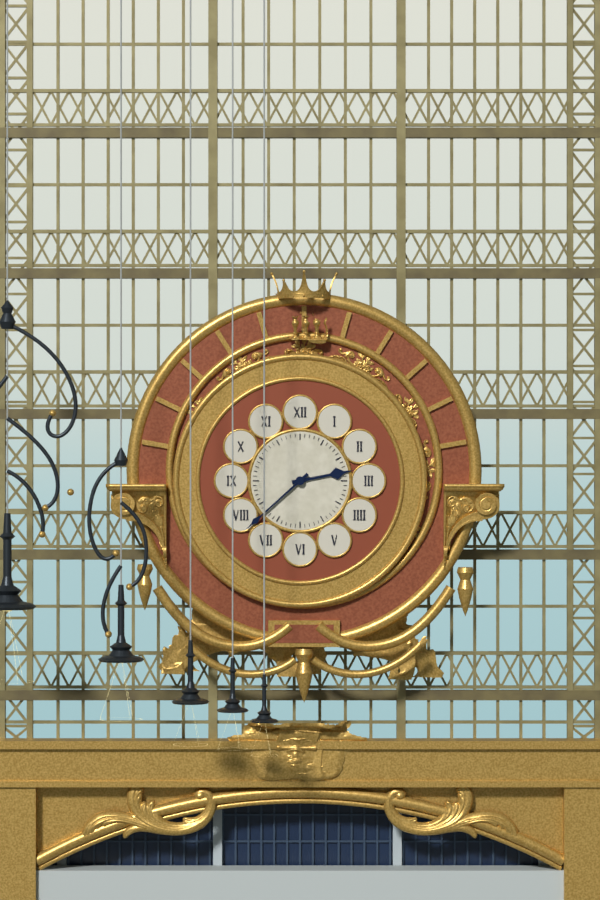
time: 2:38
